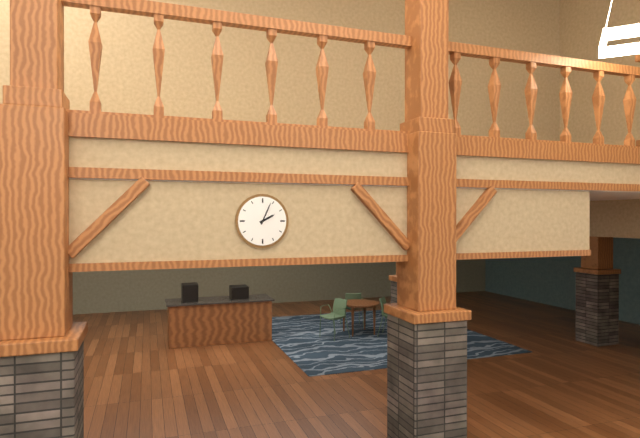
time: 2:04
